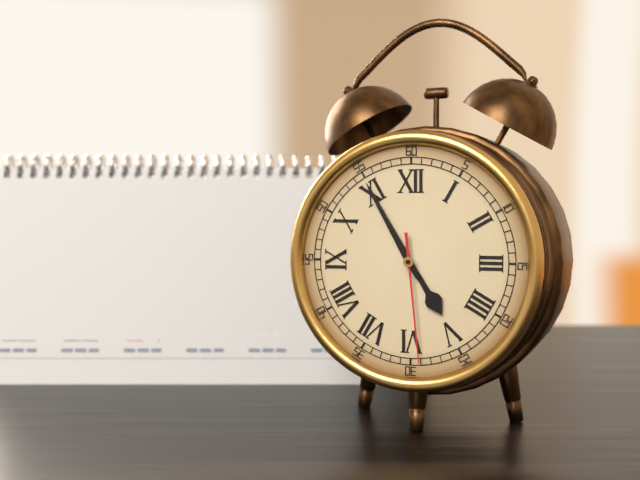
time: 4:55:29
